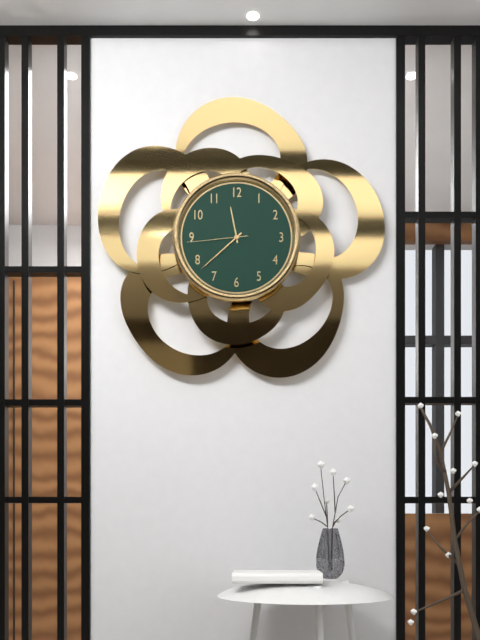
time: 11:38:44
